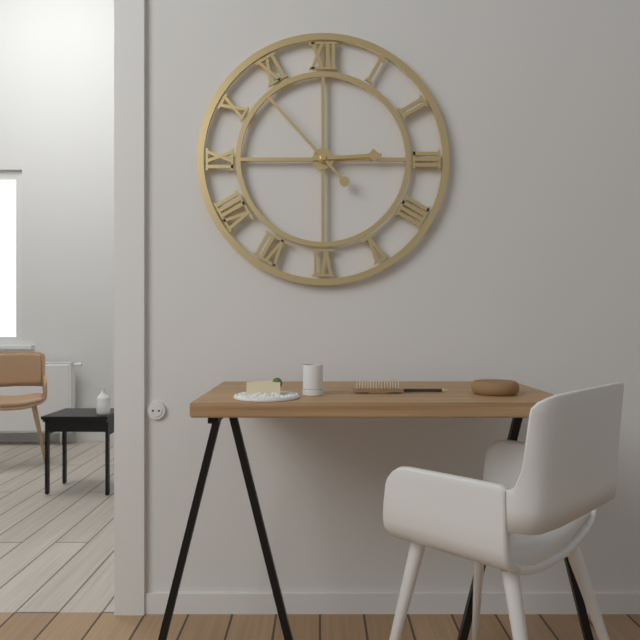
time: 2:53
